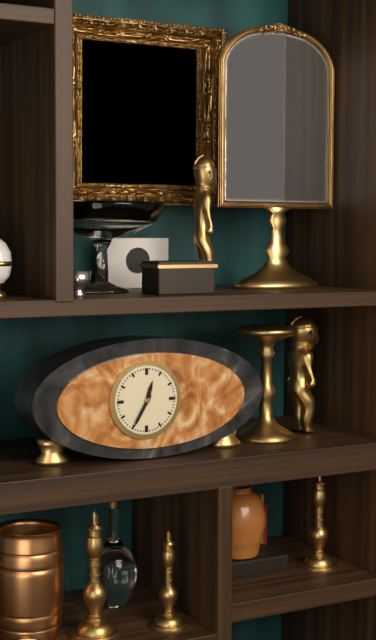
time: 12:35
